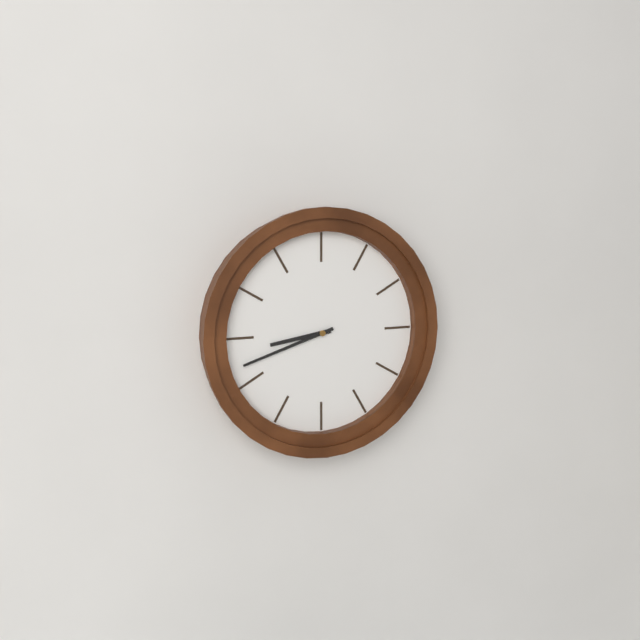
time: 8:42
